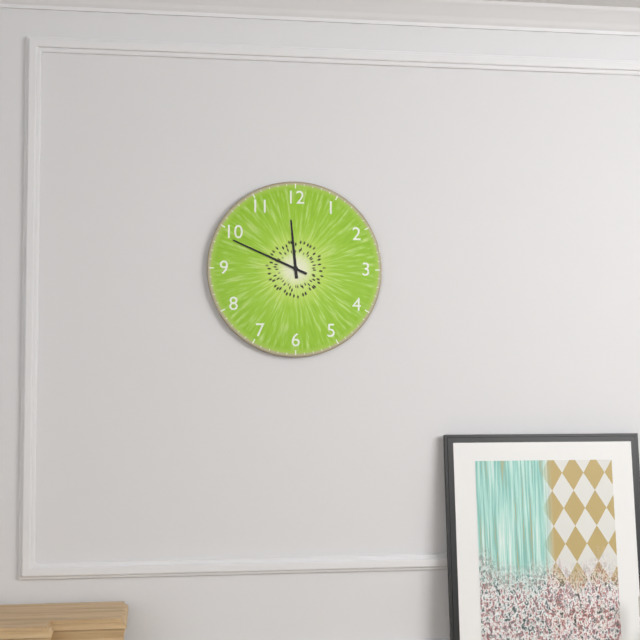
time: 11:49
